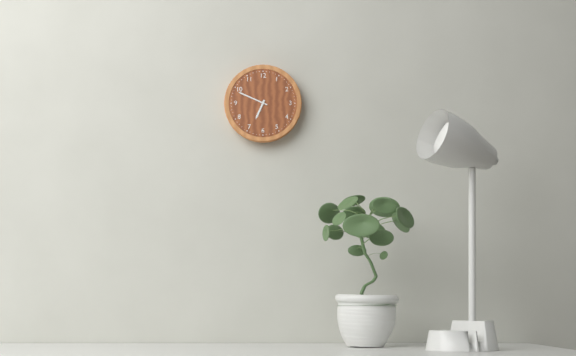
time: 6:49
